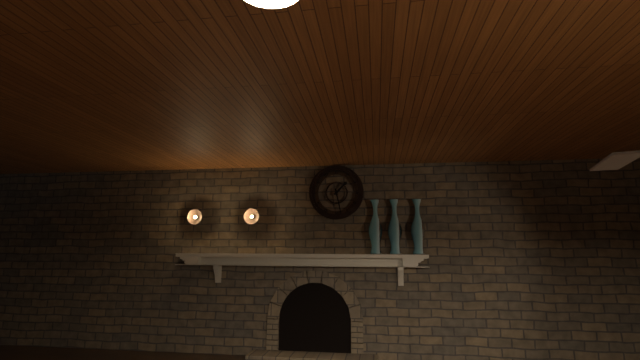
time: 1:28
